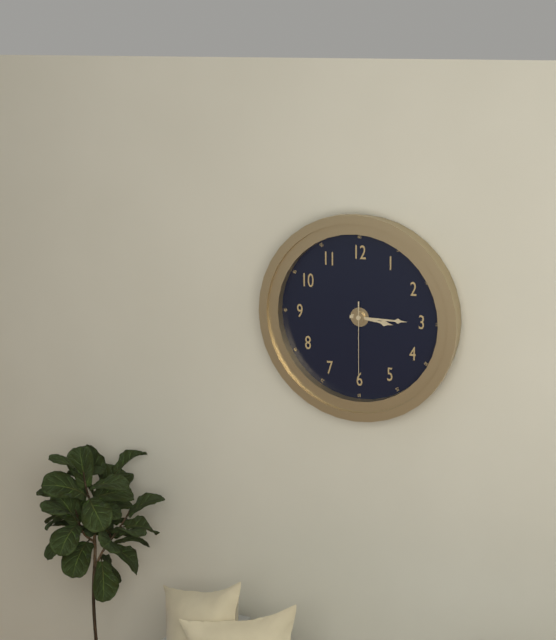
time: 3:15:30
